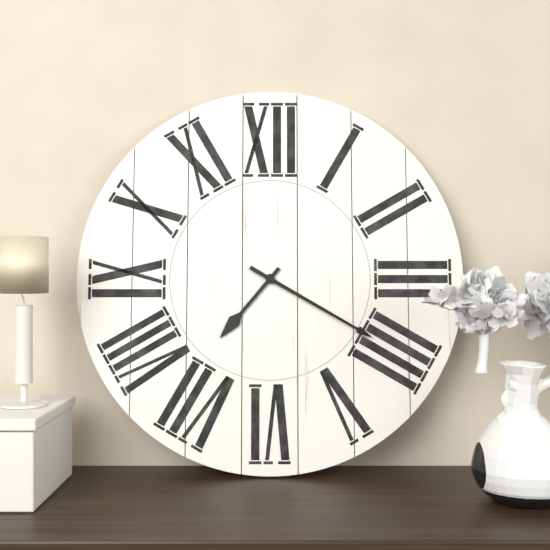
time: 7:20
